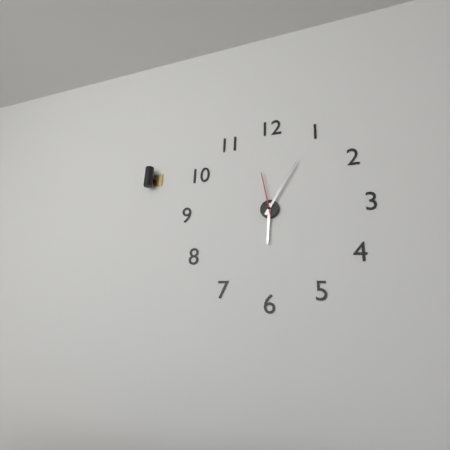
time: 6:05
